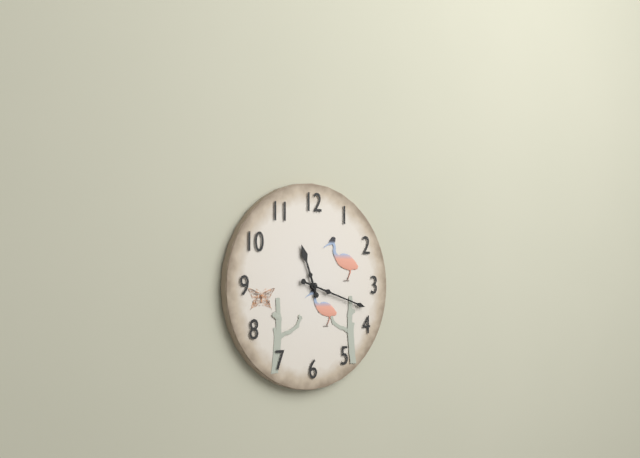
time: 11:18
